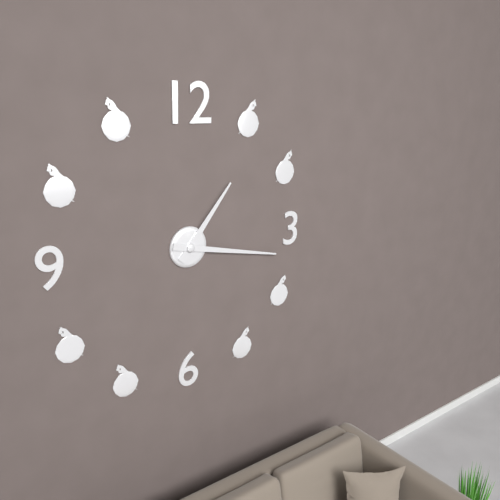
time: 1:17
